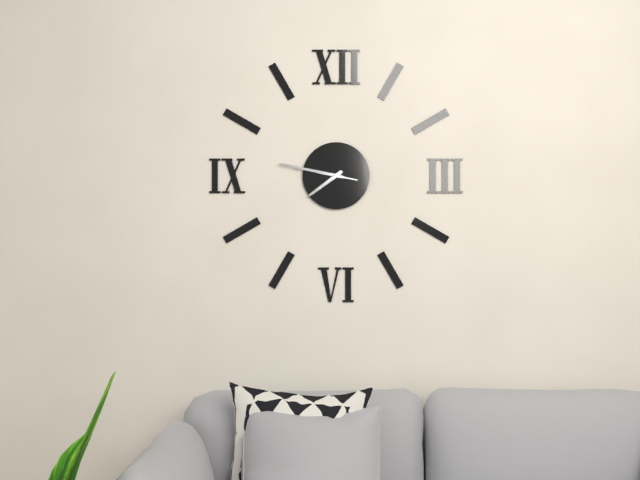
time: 7:47:47
